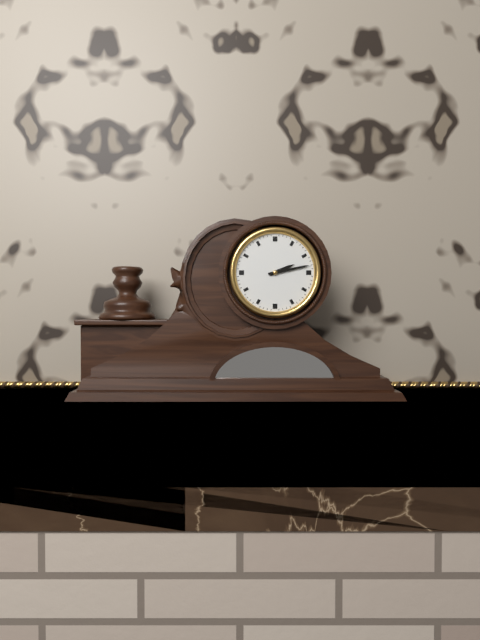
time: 2:13
